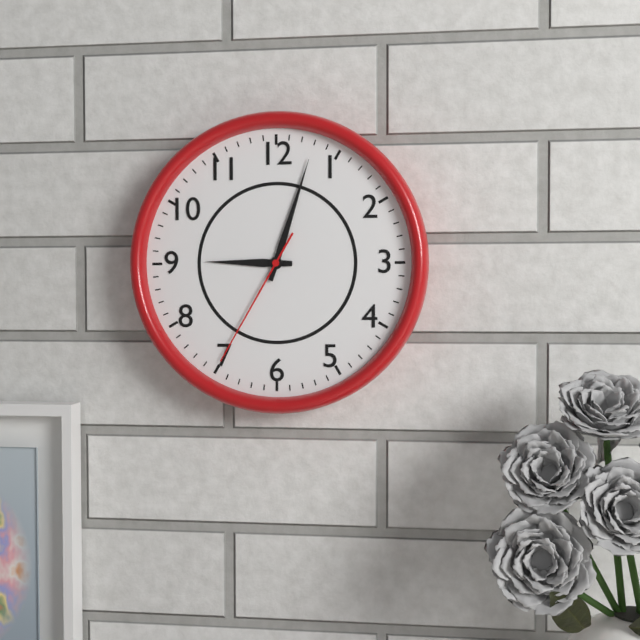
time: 9:03:35
